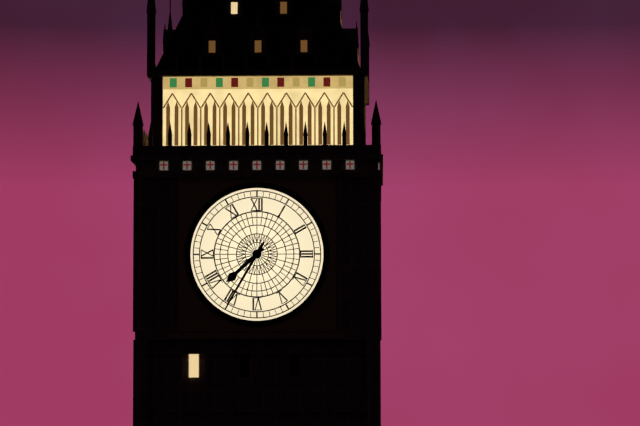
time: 7:35
